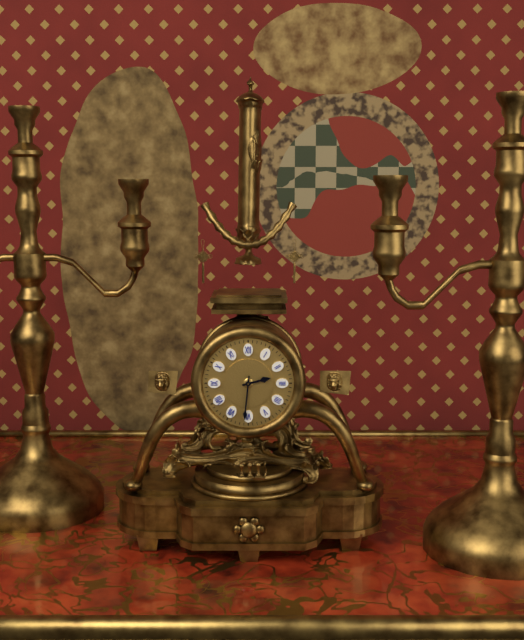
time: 2:31
